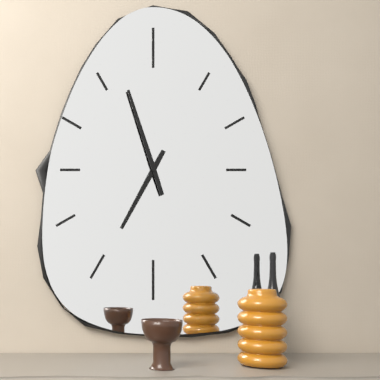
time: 6:57
